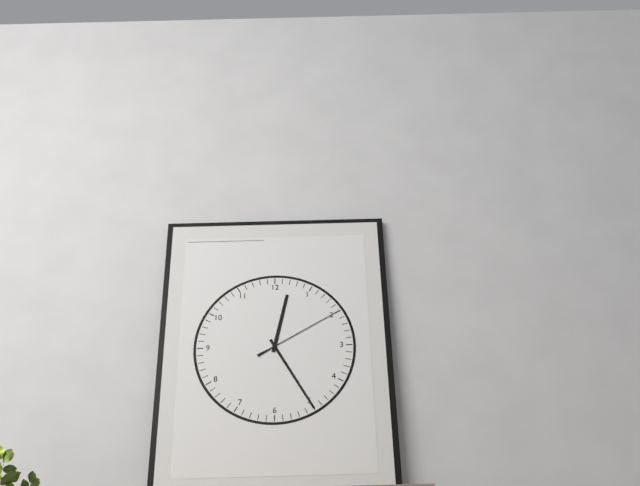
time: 12:25:10
